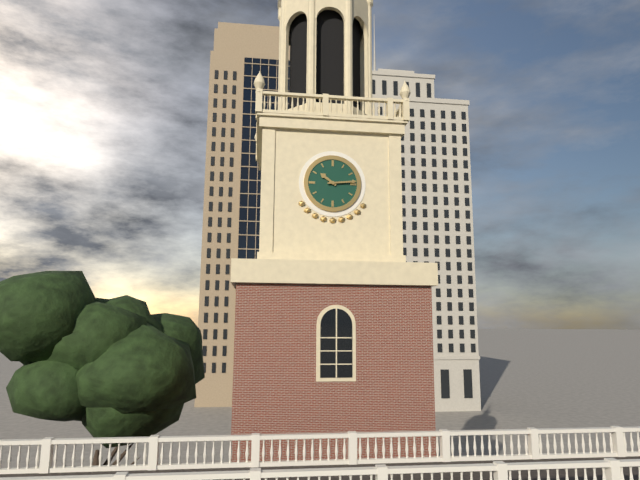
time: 10:14
